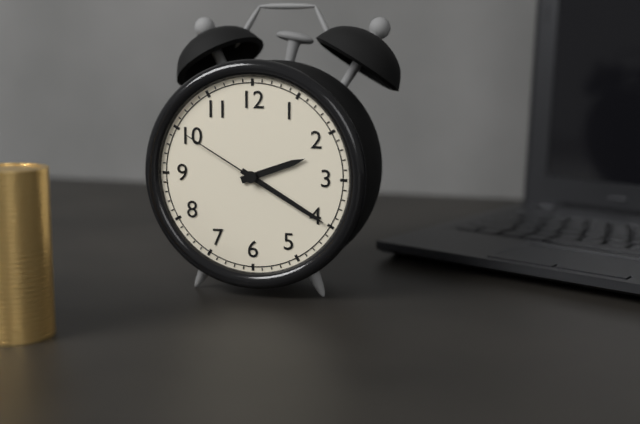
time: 2:20:50
